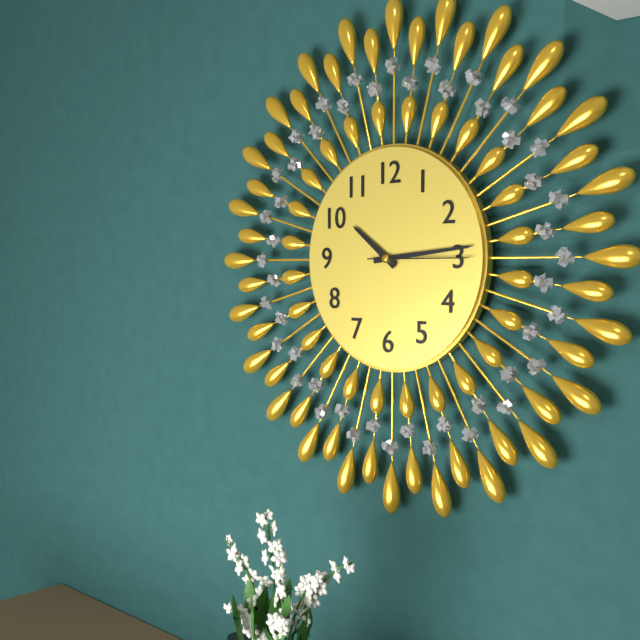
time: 10:14:15
